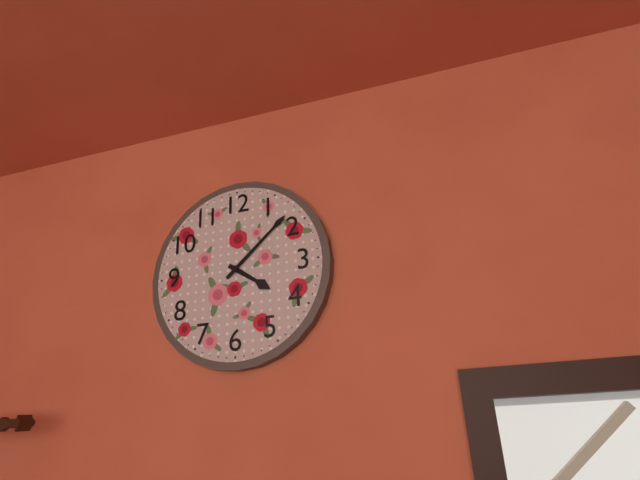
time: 4:08
